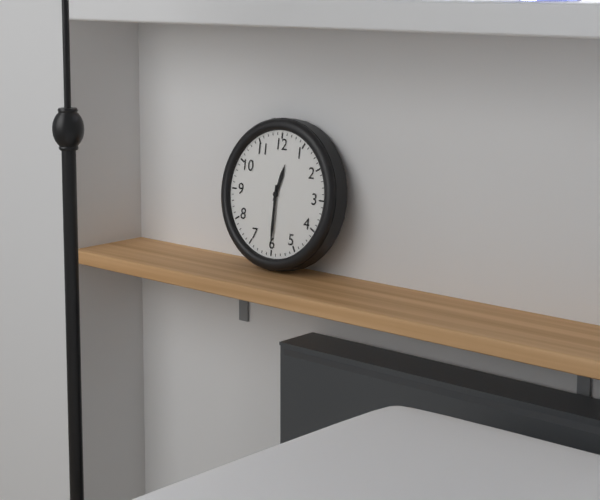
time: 12:30
